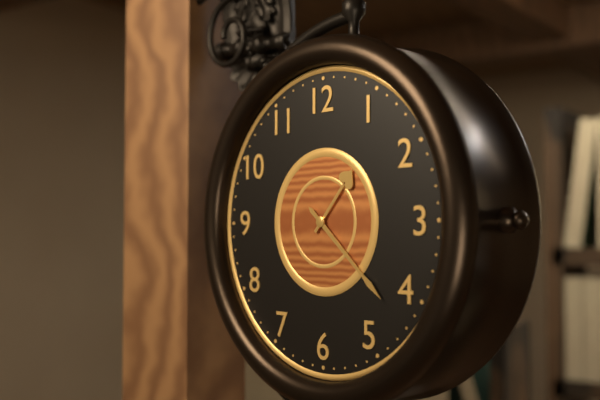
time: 1:22
